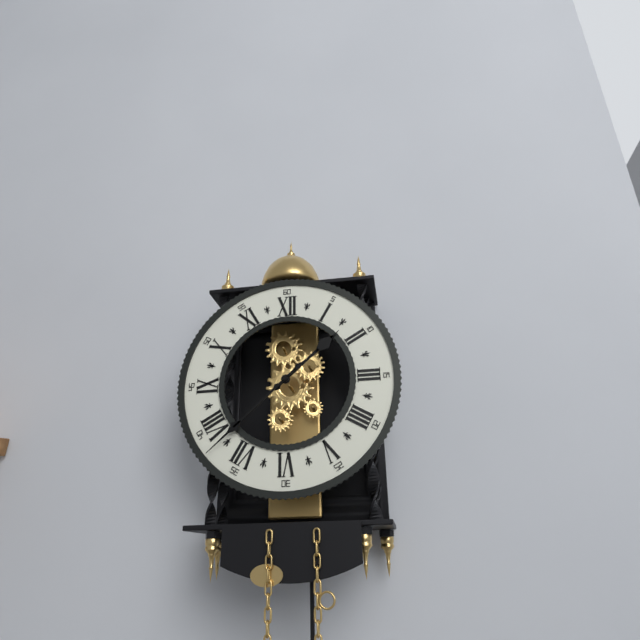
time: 1:38
